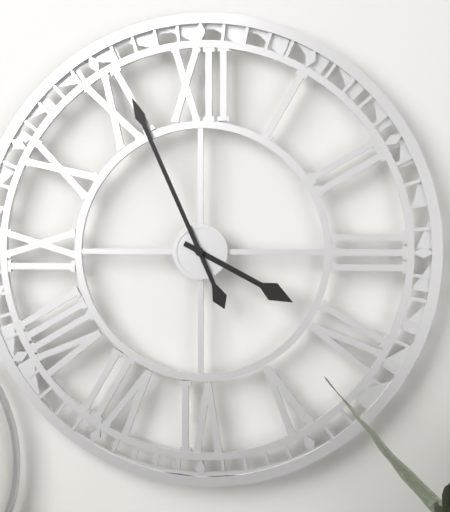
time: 3:56
